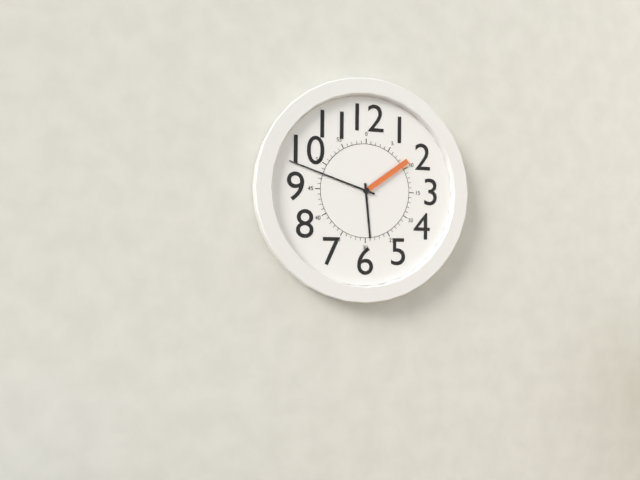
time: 5:48:09
